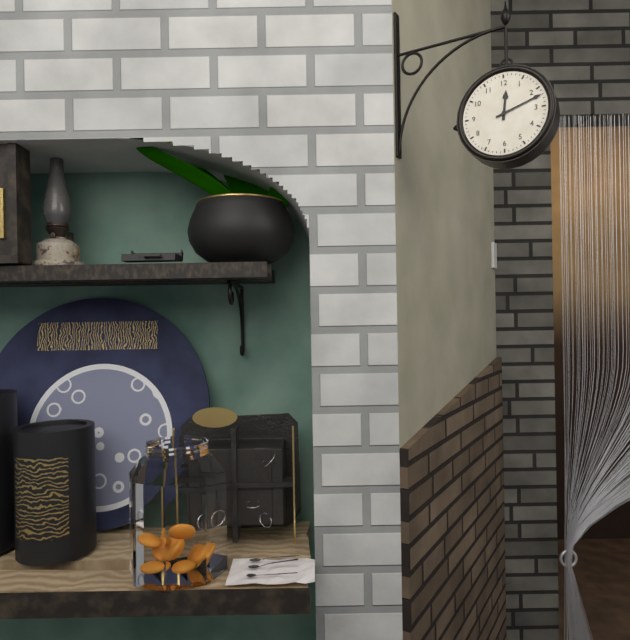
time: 12:12
